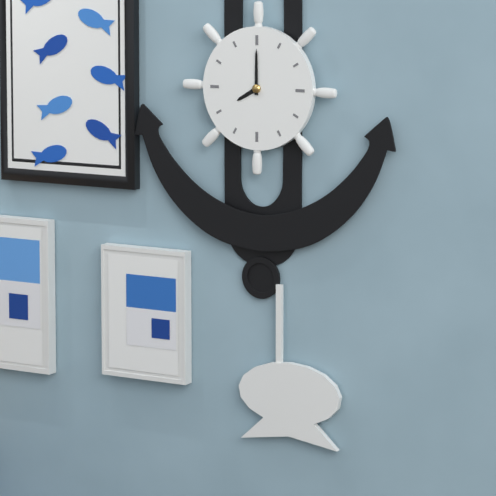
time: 8:00
